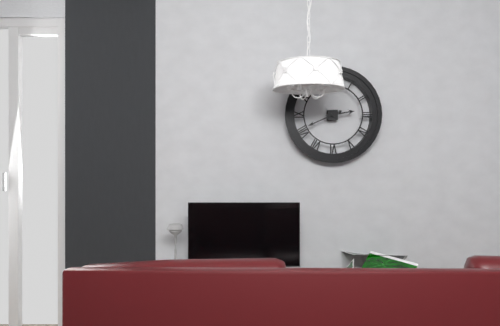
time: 2:41
